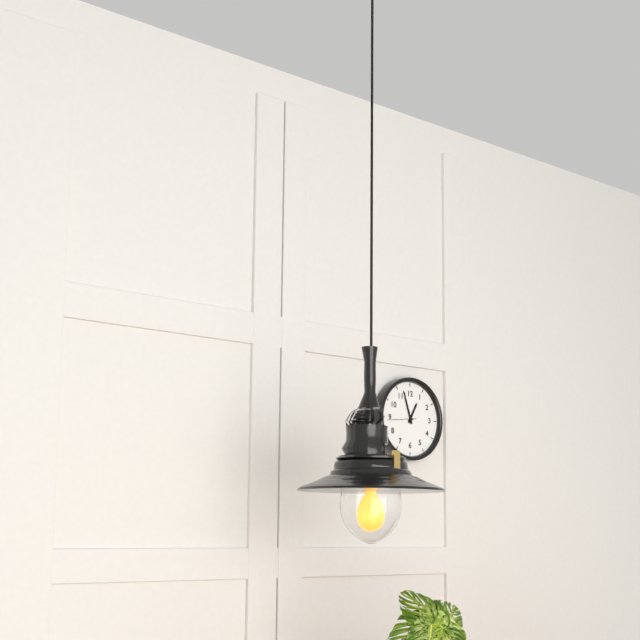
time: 12:57
